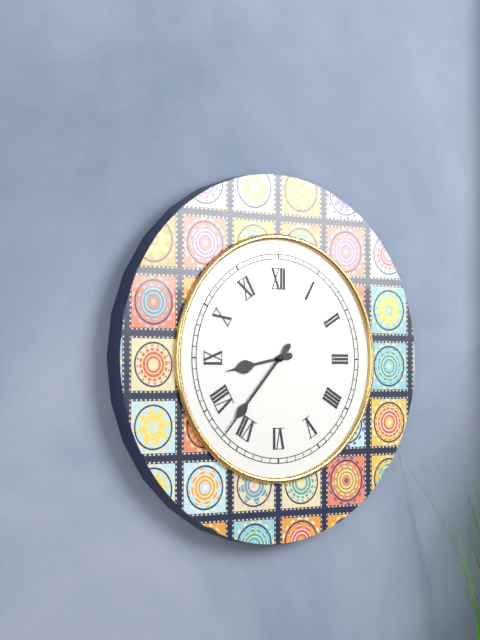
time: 8:37
